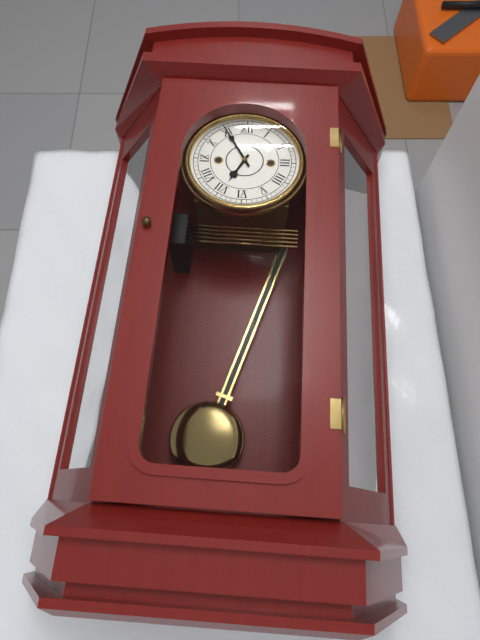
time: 6:55
